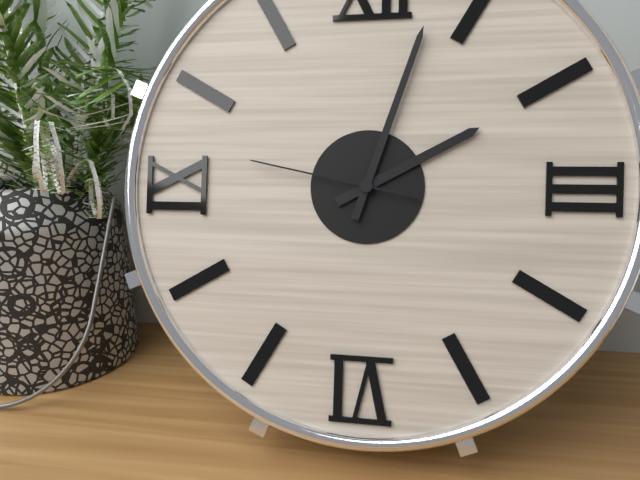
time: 2:03:47
